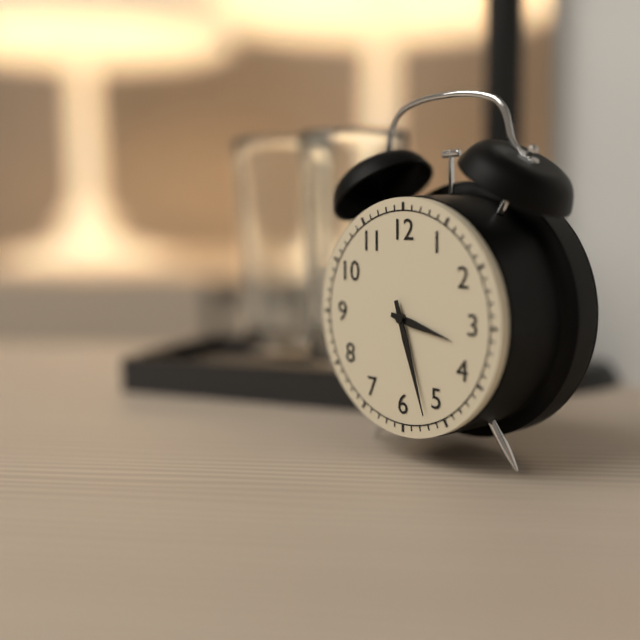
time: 3:27
